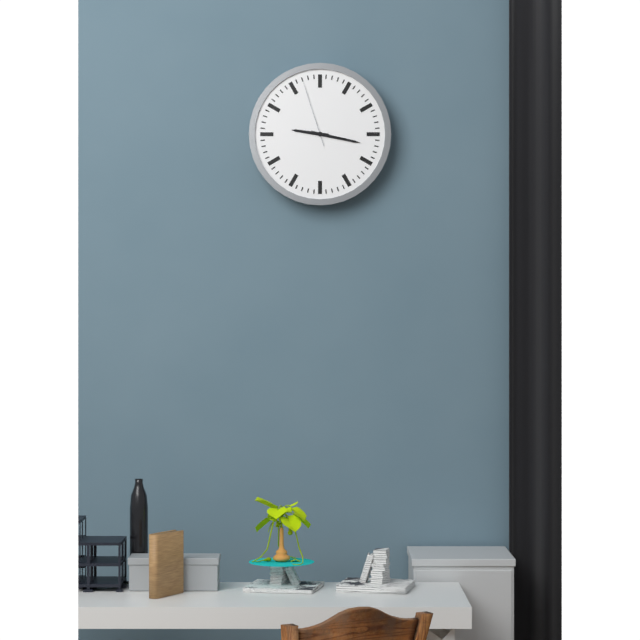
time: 9:17:57
